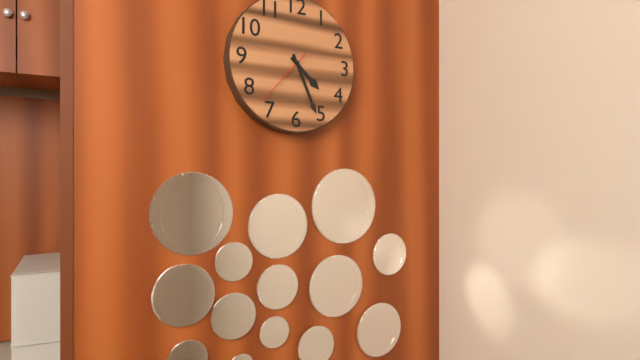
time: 4:26:37
